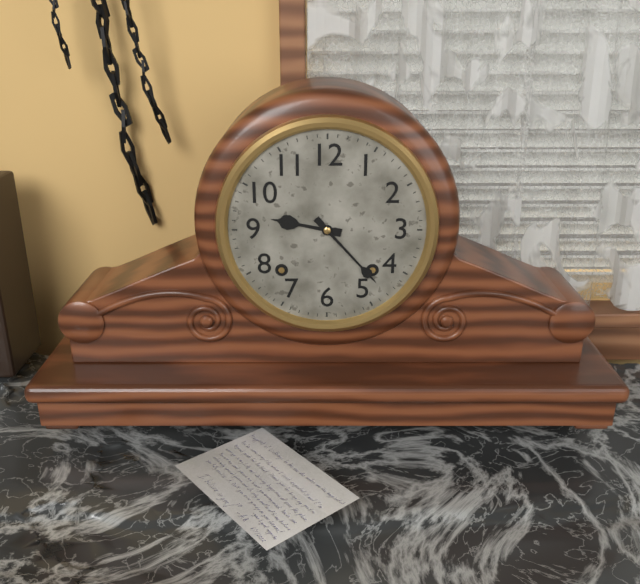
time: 9:23
